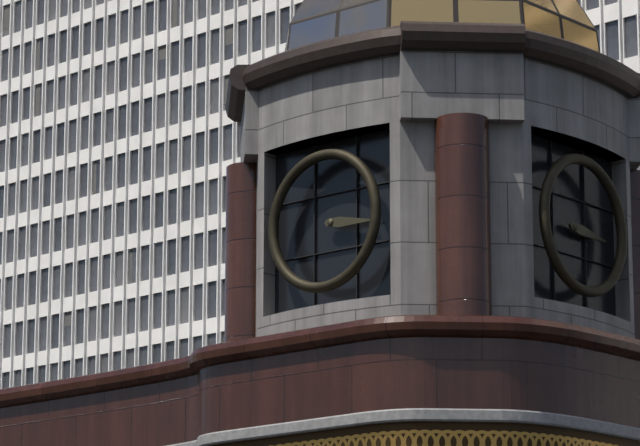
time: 3:16
